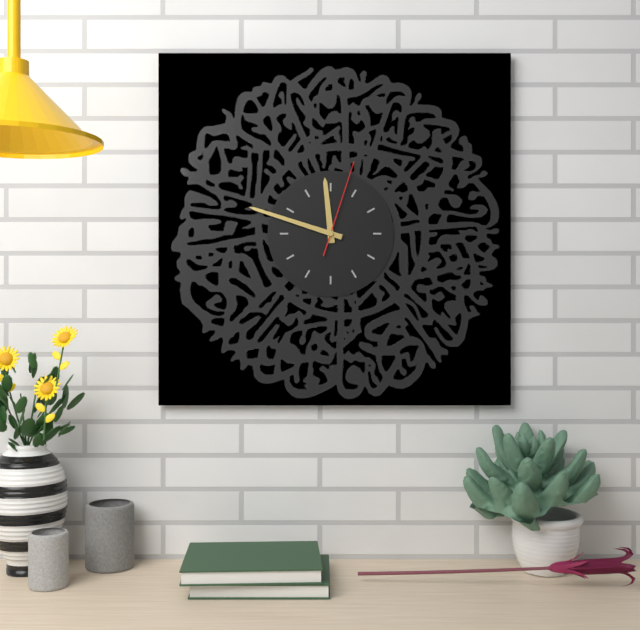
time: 11:48:03
